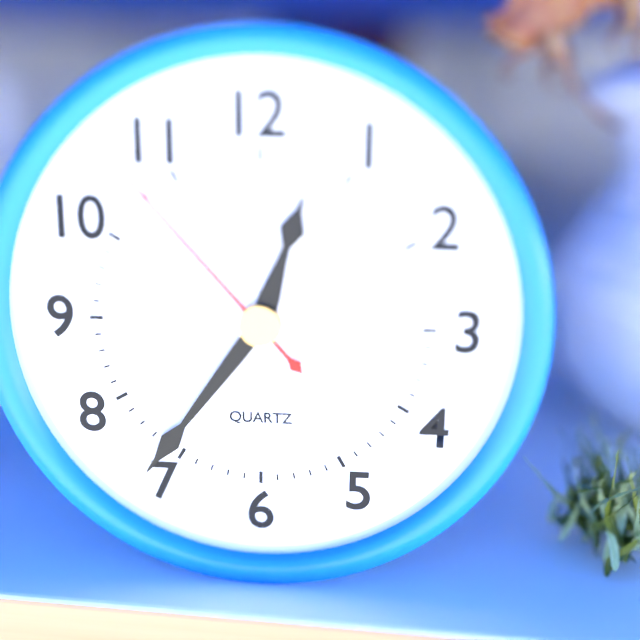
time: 12:36:53
